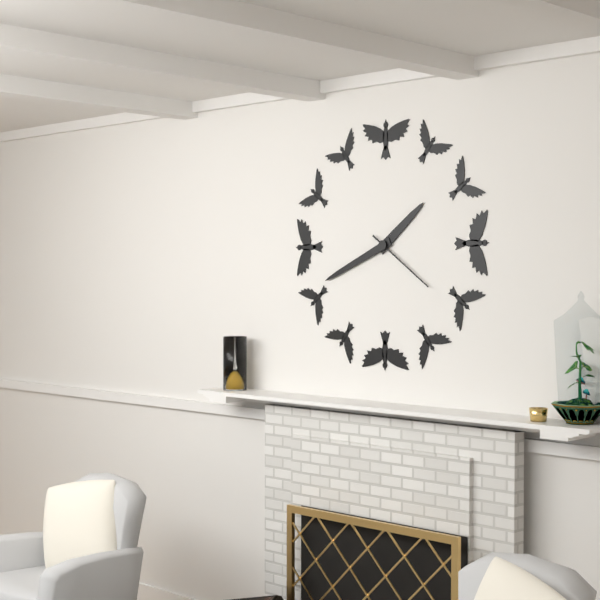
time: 1:41:21
